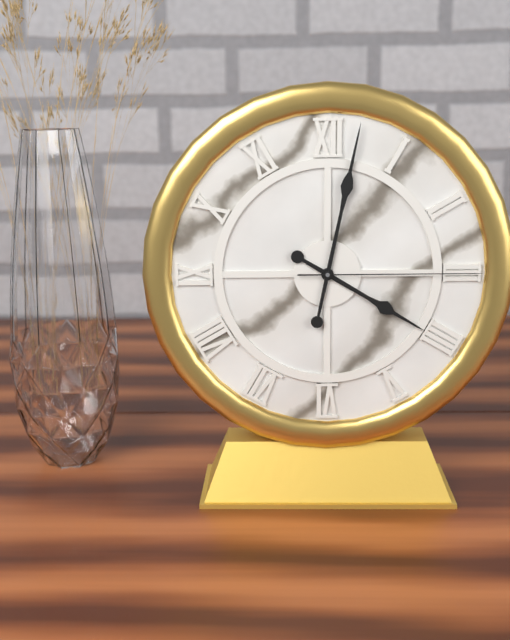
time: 4:02:15
